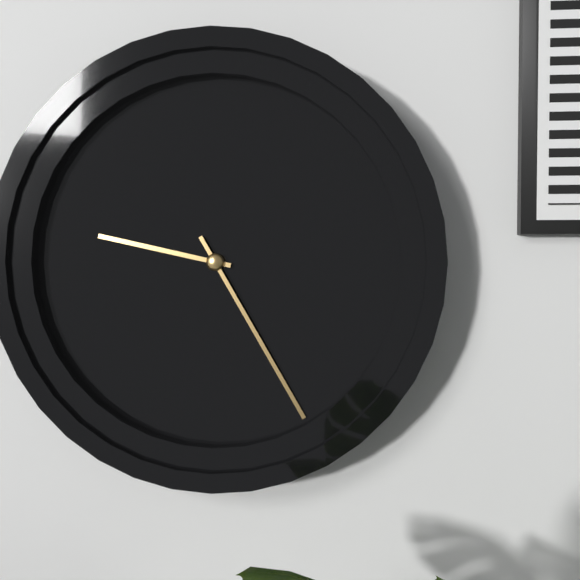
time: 9:25
